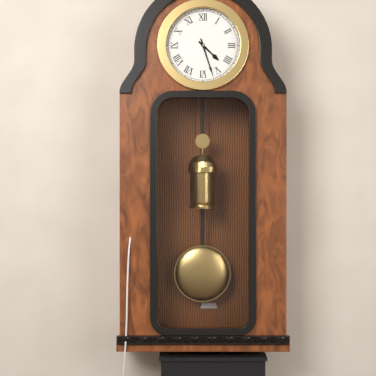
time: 4:27
